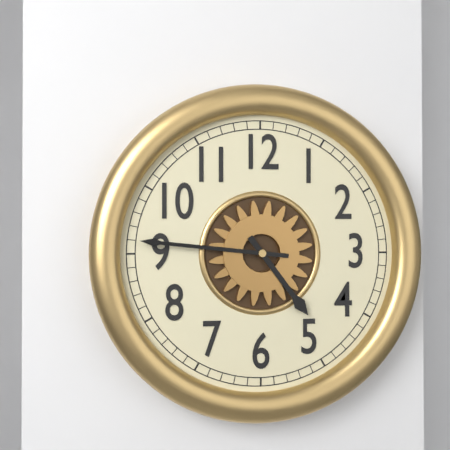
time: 4:46
